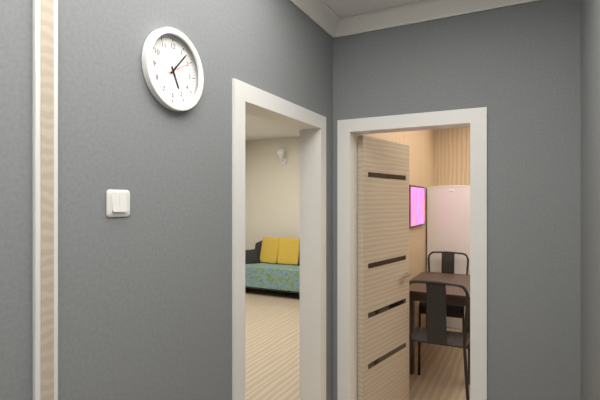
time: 5:07
